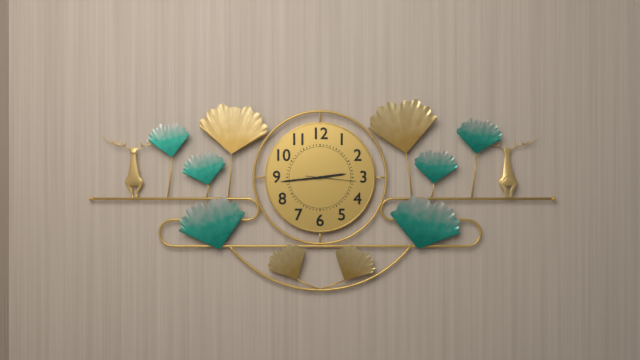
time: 2:44
